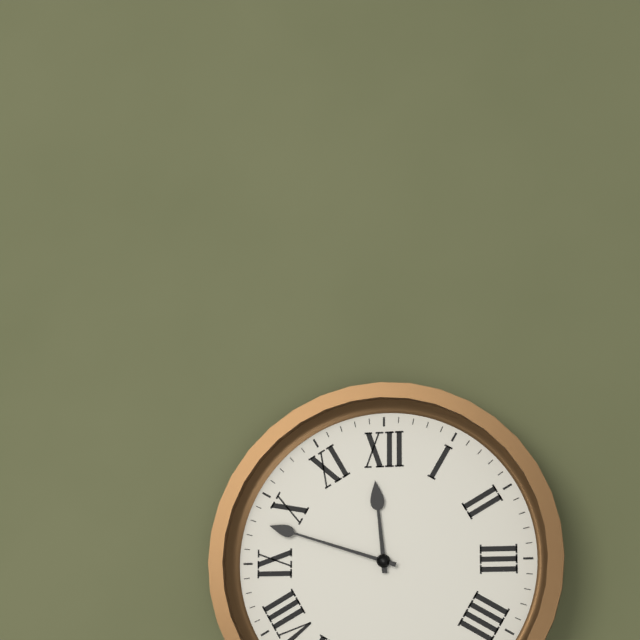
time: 11:48
